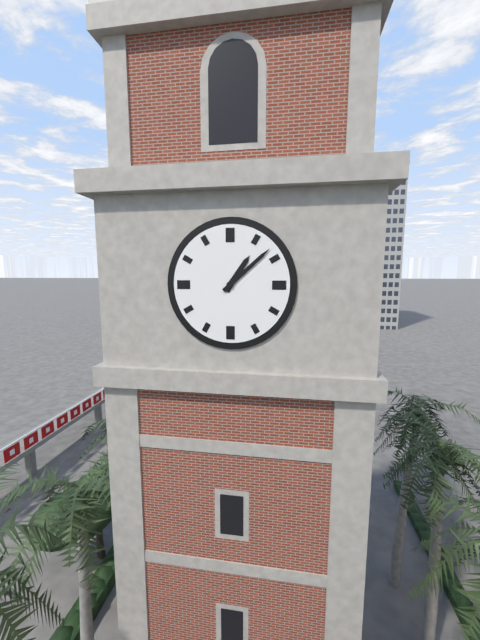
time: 1:08
